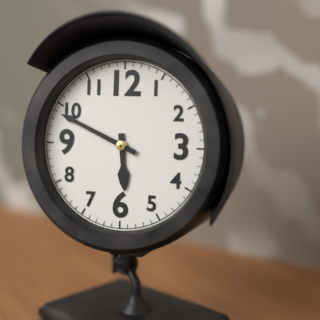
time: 5:49
